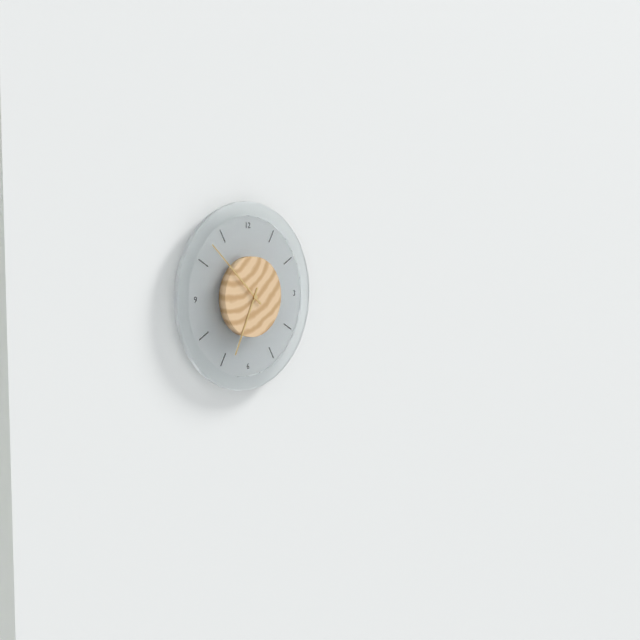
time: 6:52
